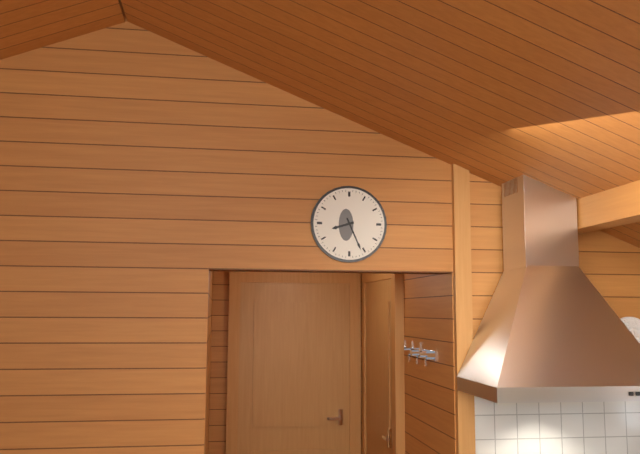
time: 8:26
